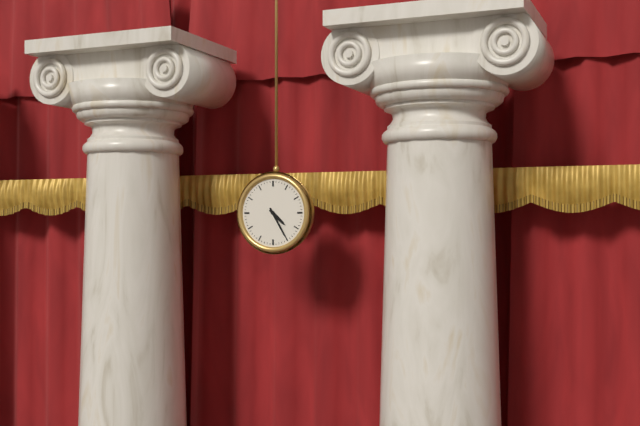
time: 4:25
